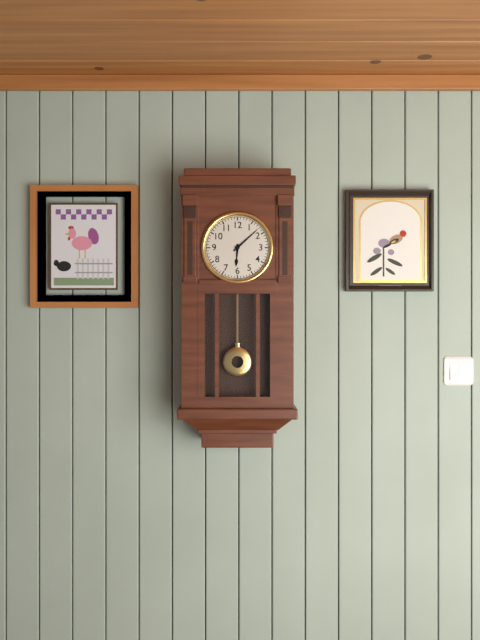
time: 6:08
